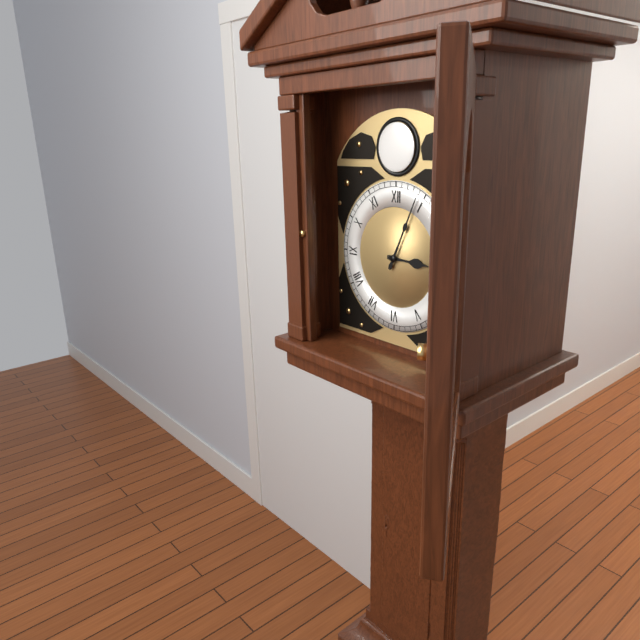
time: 3:04
